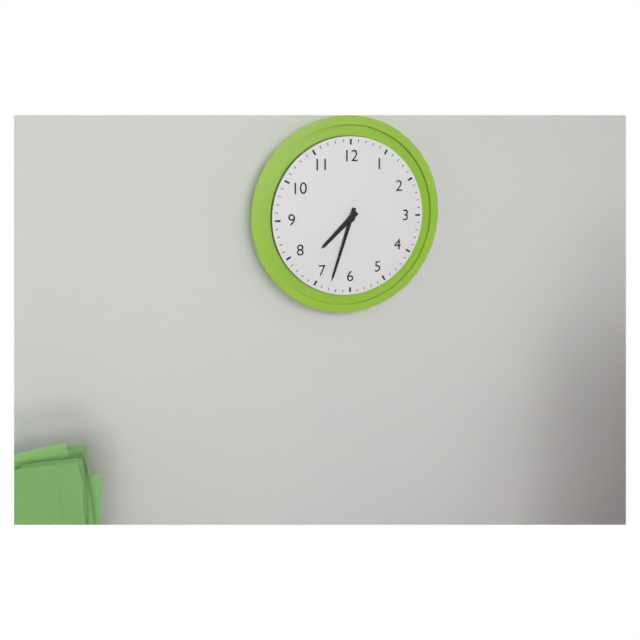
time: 7:33
